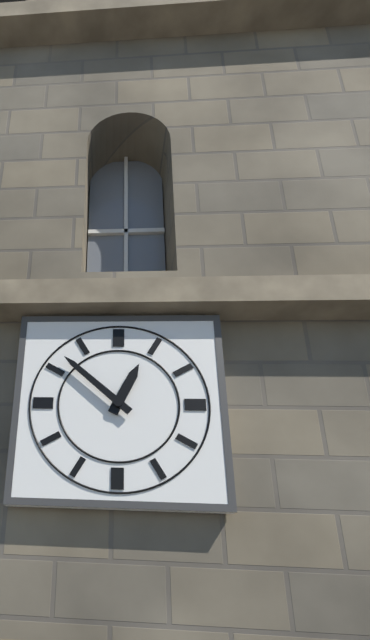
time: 12:52
